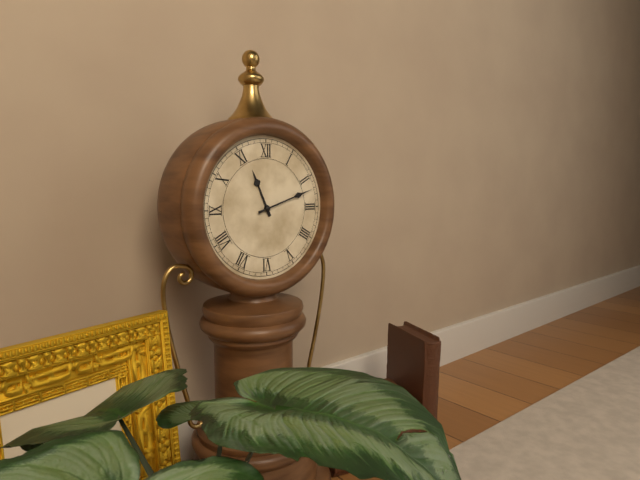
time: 11:12
